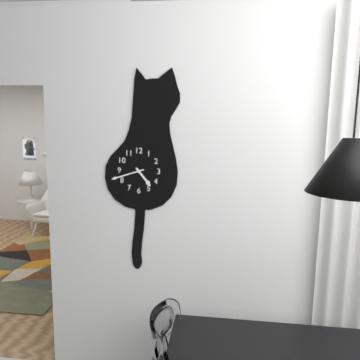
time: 4:42
